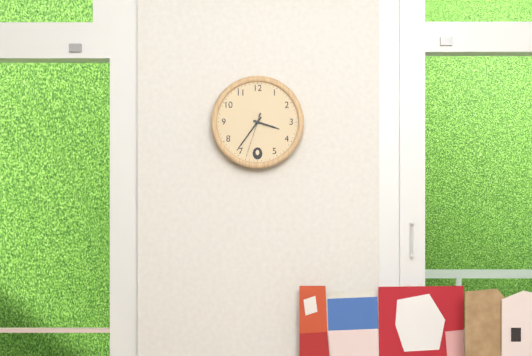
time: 3:36
